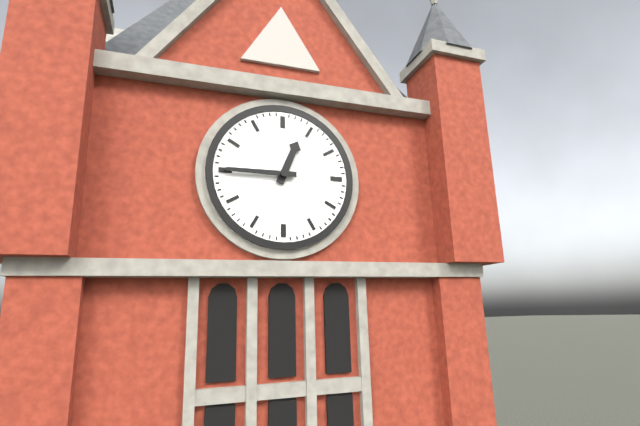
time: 12:45
